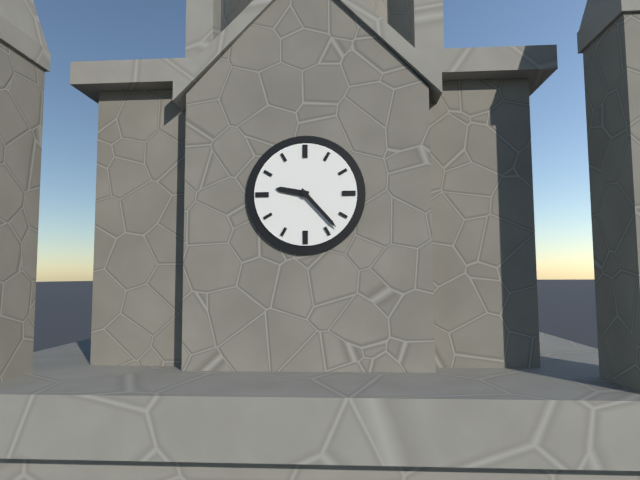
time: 9:23
